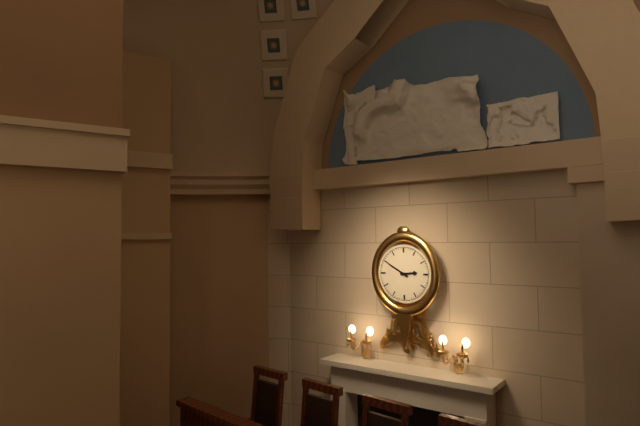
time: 2:50
